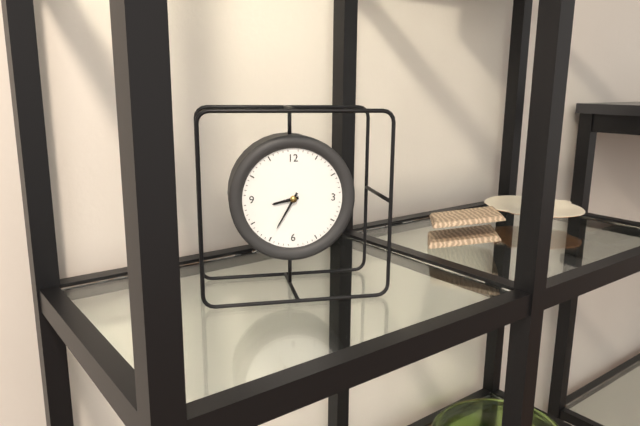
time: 8:35
